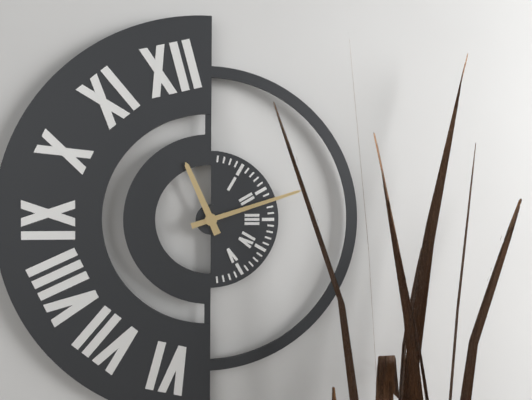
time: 11:12
